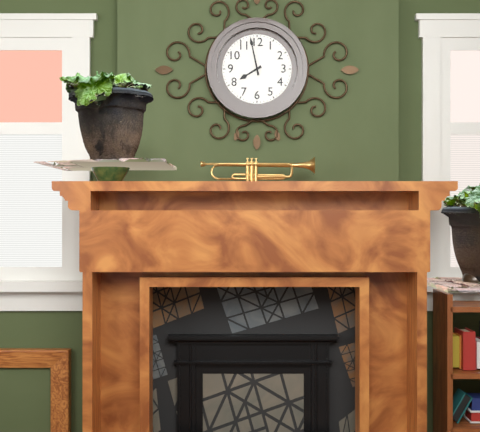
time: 7:58
